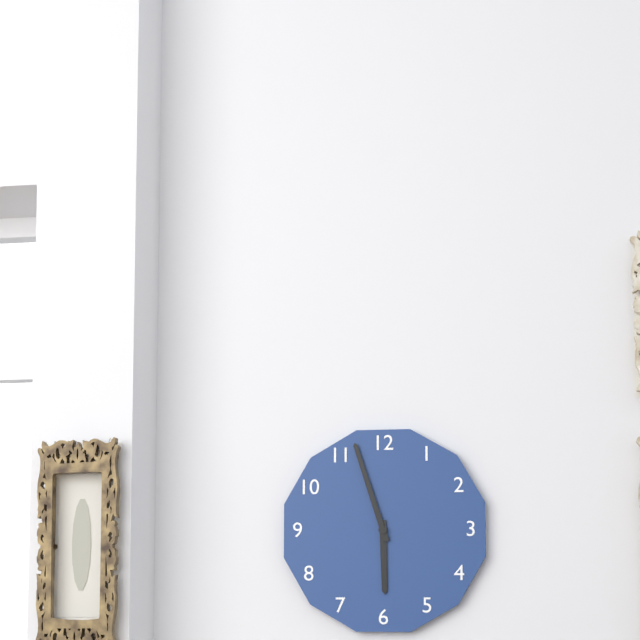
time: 5:57
